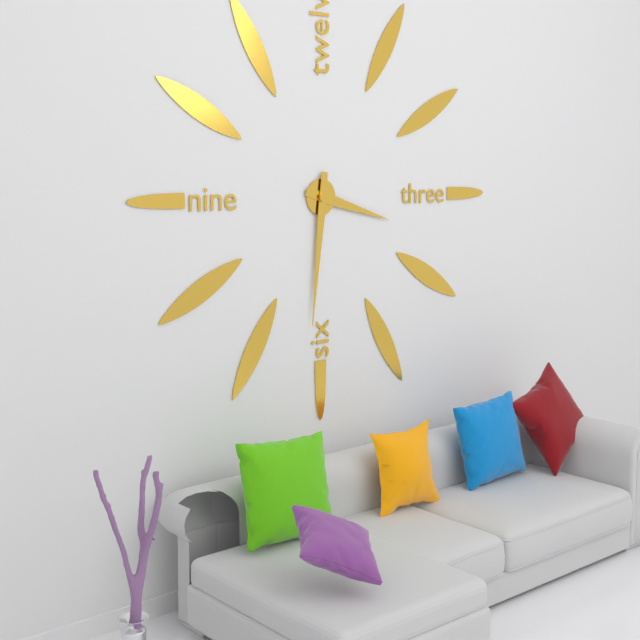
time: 3:31
